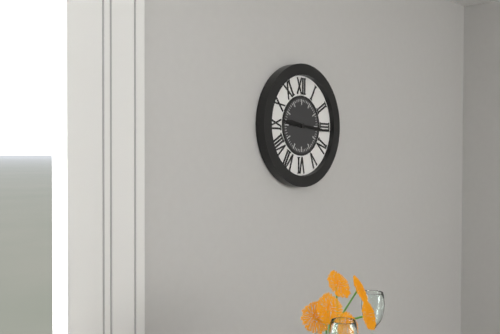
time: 9:16
